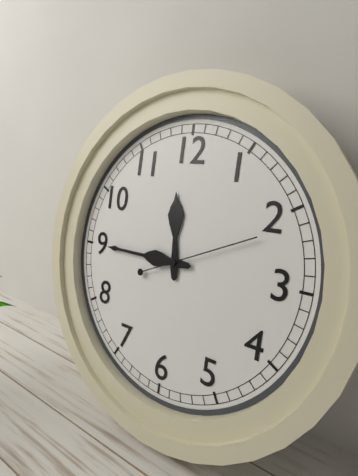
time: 11:45:11
